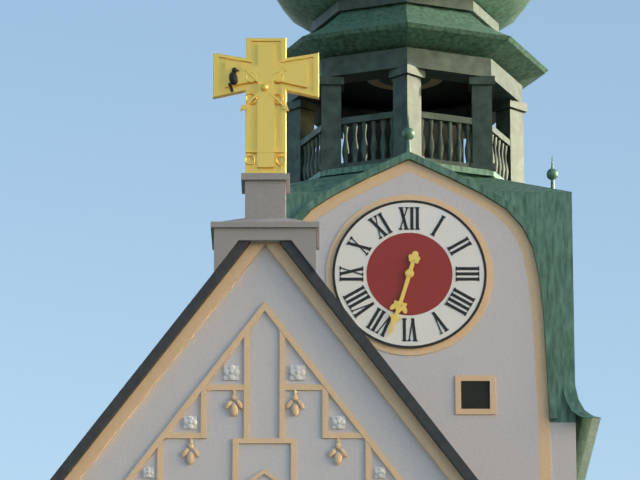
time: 6:33
